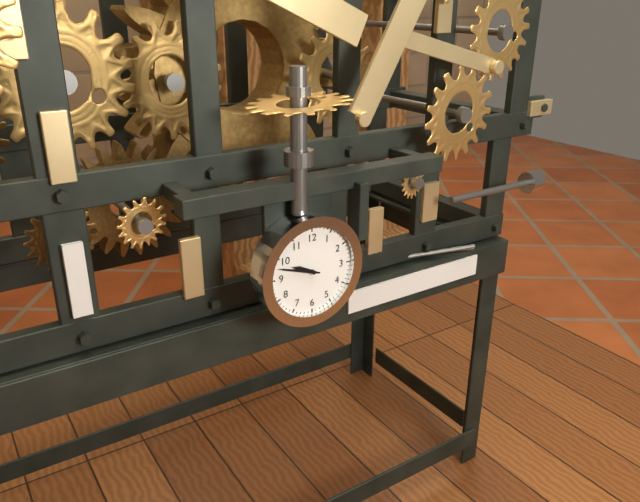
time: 9:48
